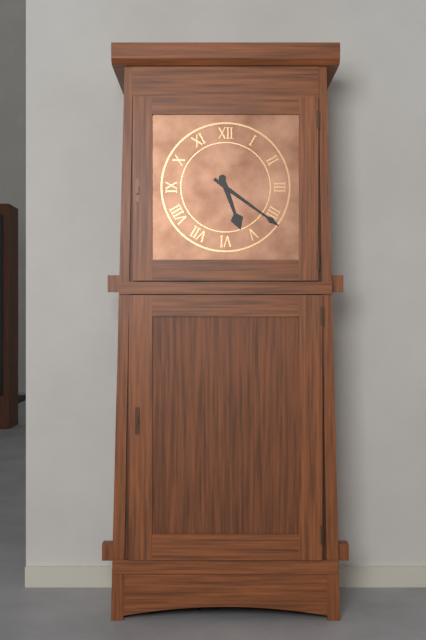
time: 5:21
